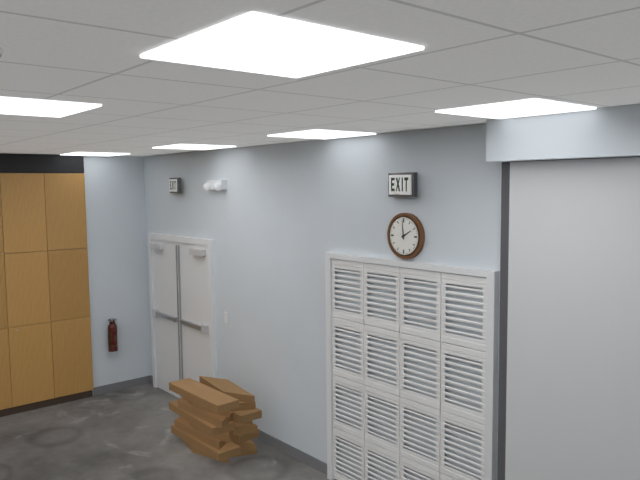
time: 1:59
